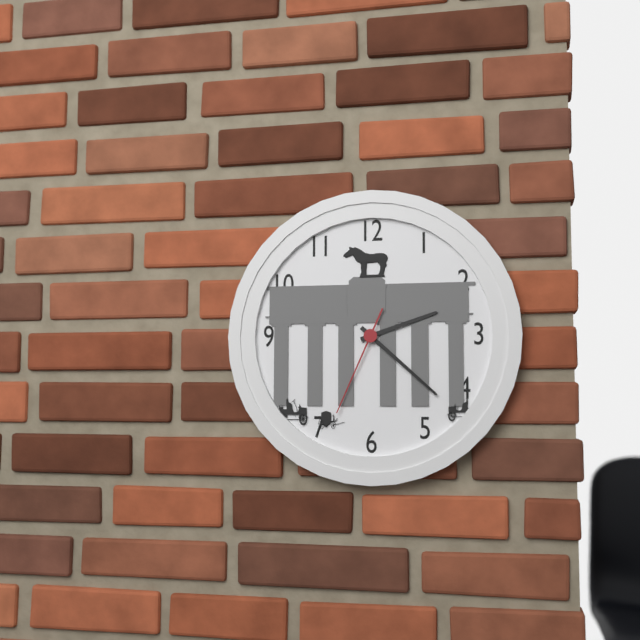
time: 2:22:34
